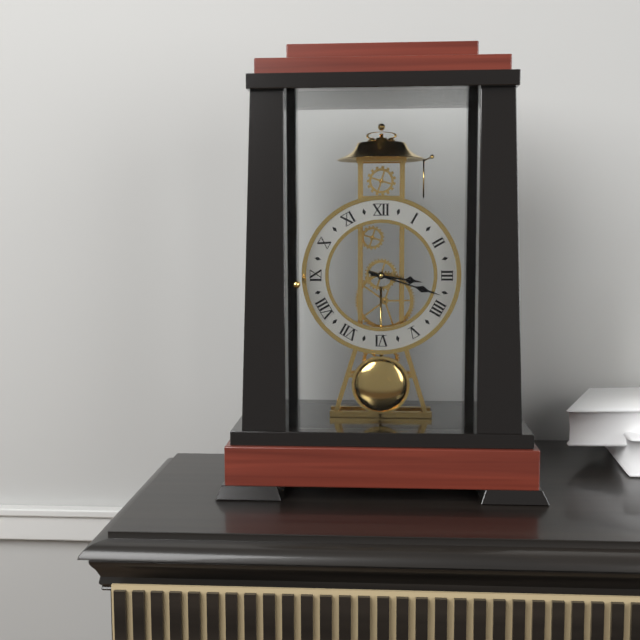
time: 3:18
